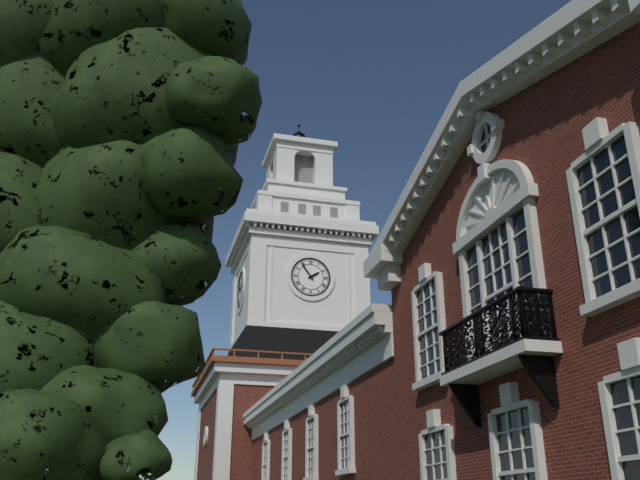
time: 1:54
